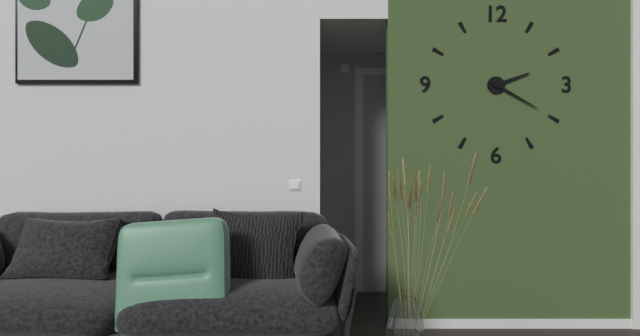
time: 2:20
